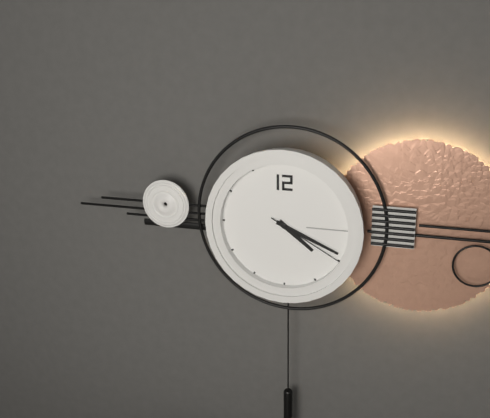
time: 4:19:20
